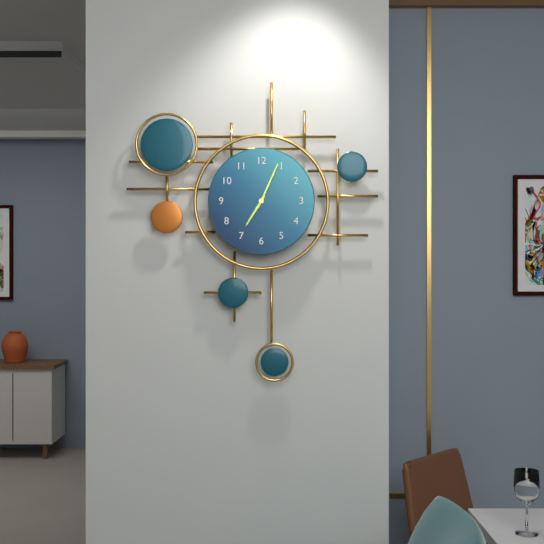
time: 7:04
